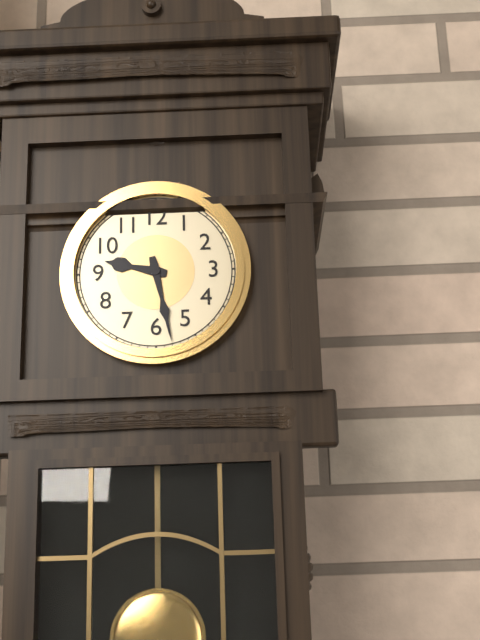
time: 9:28
